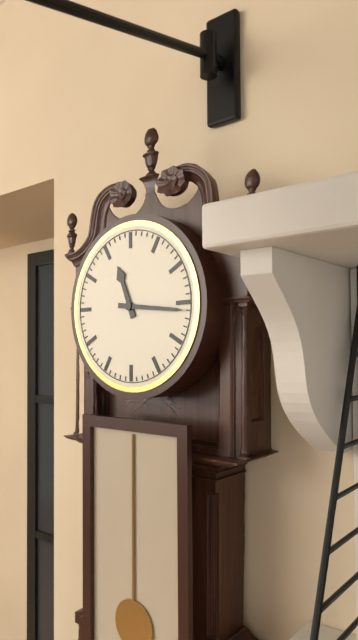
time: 11:16
